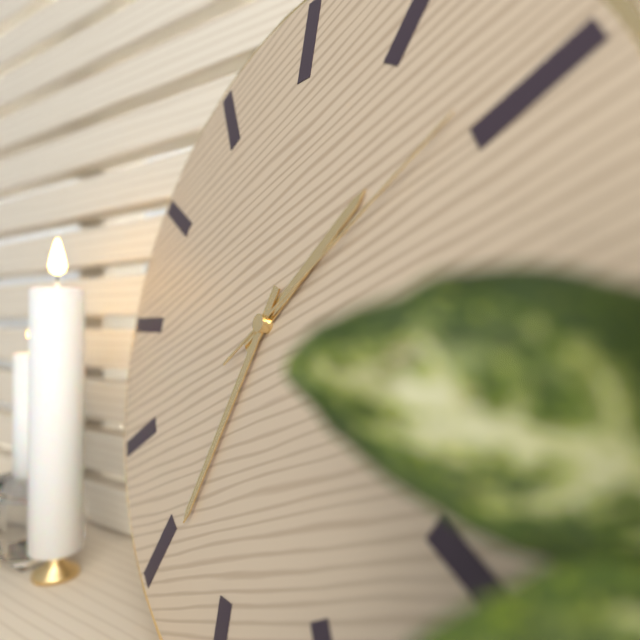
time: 1:34:09
